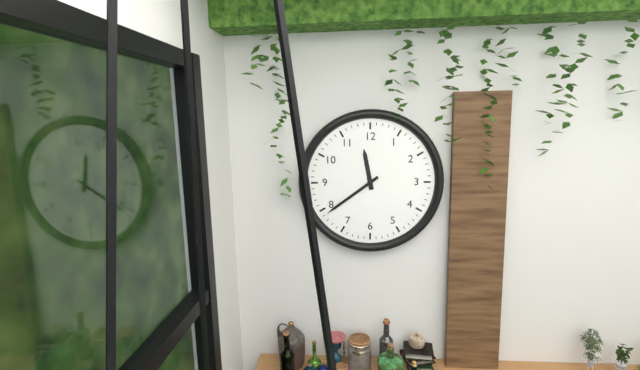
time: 11:39
